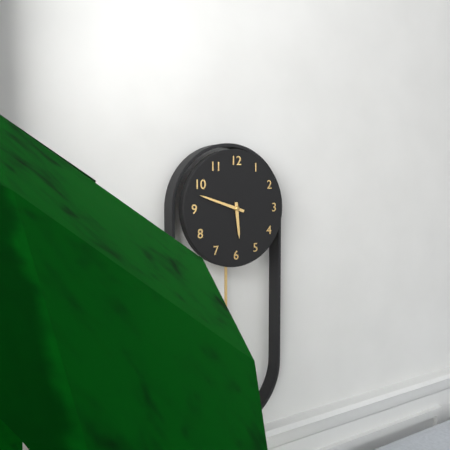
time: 5:48
